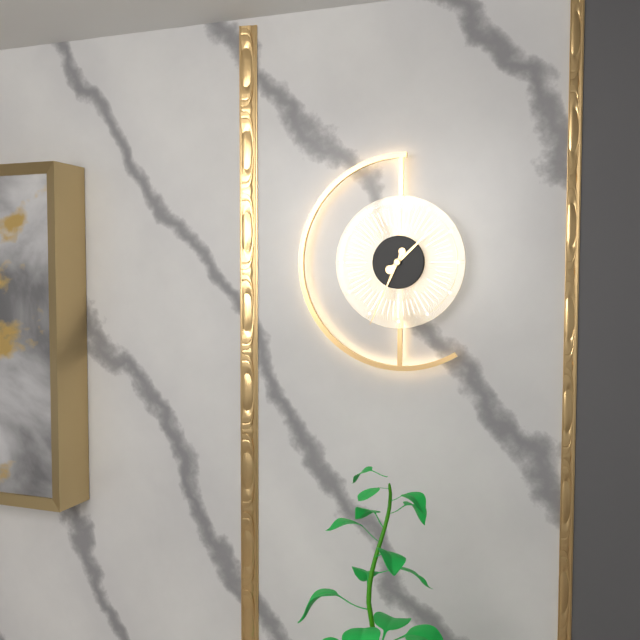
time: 1:34
